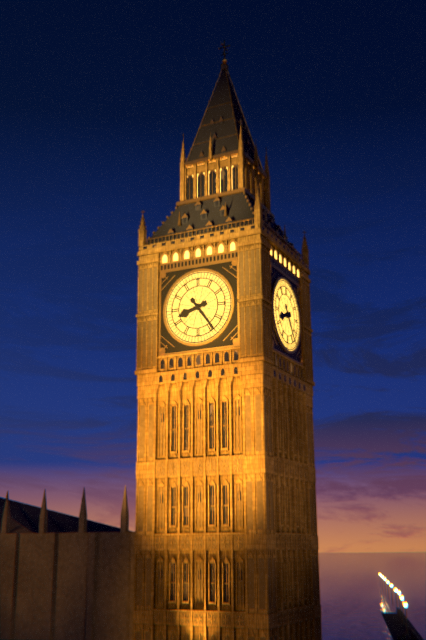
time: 8:24
